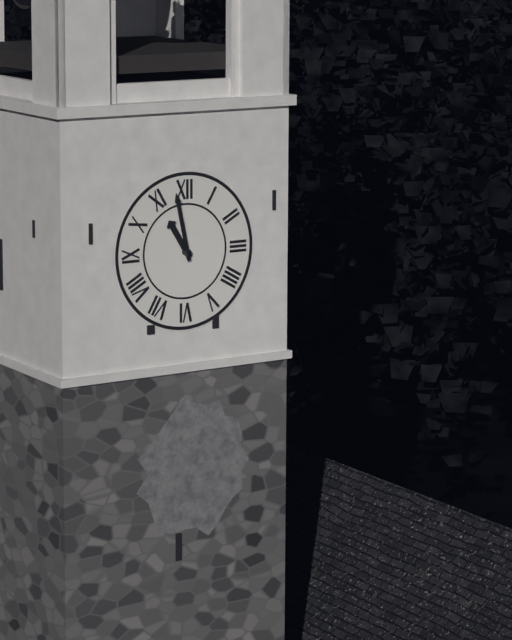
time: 10:58
